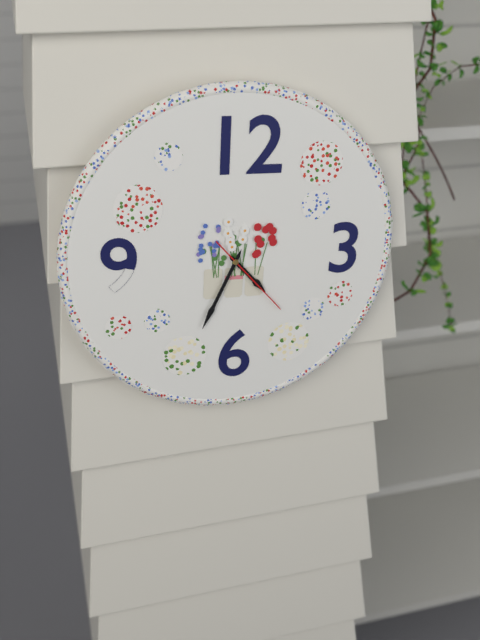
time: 4:34:23
